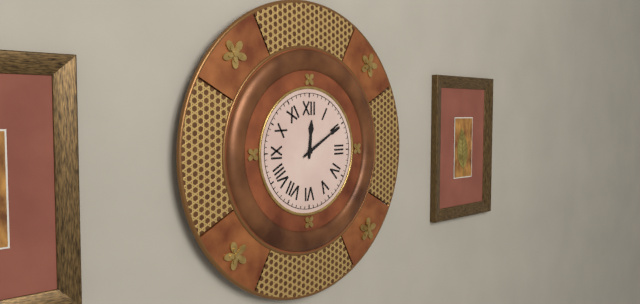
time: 12:10
